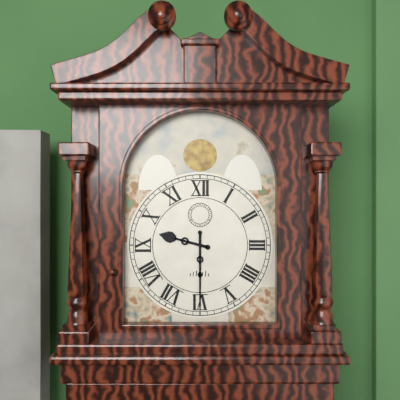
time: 9:30
